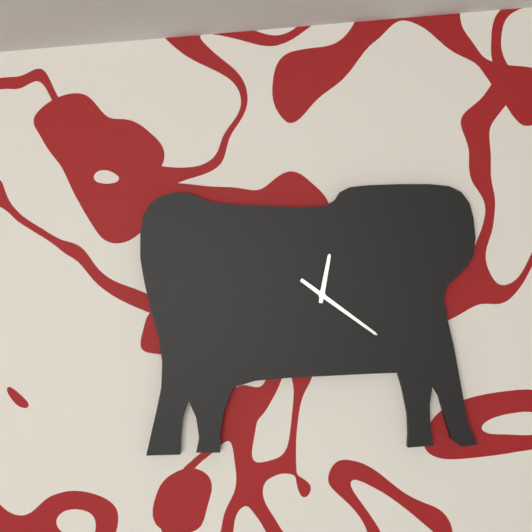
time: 12:21
